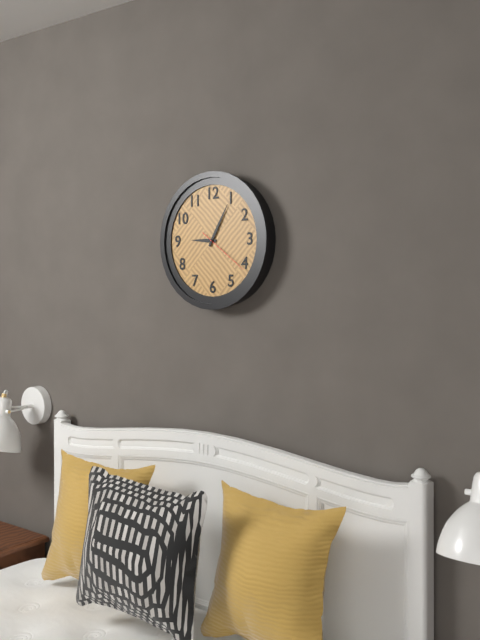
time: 9:05:21
